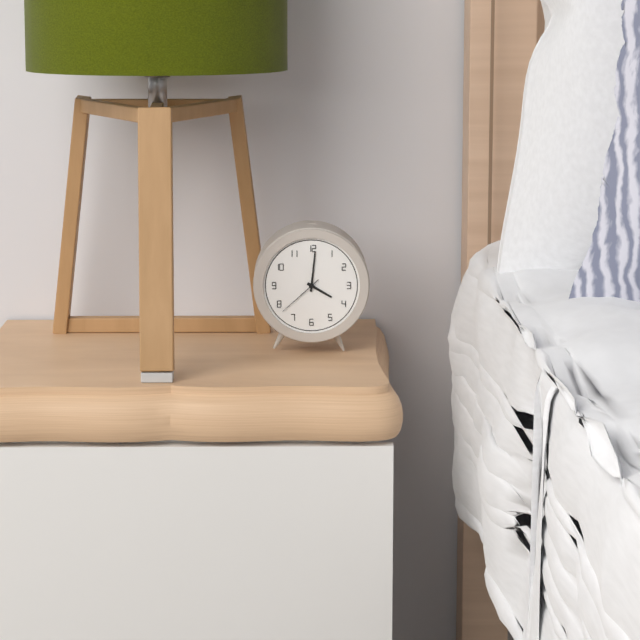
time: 4:01
